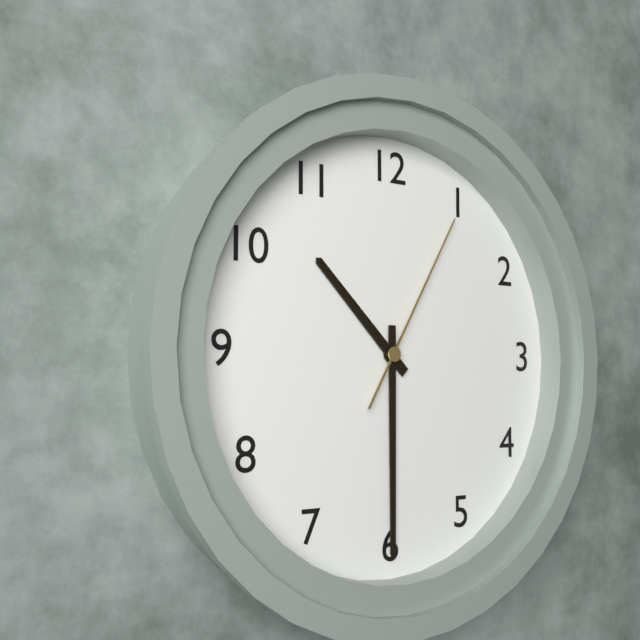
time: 10:30:05
